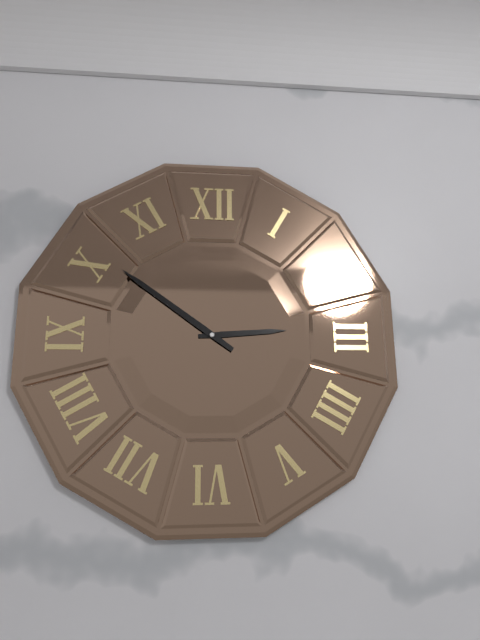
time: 2:51
